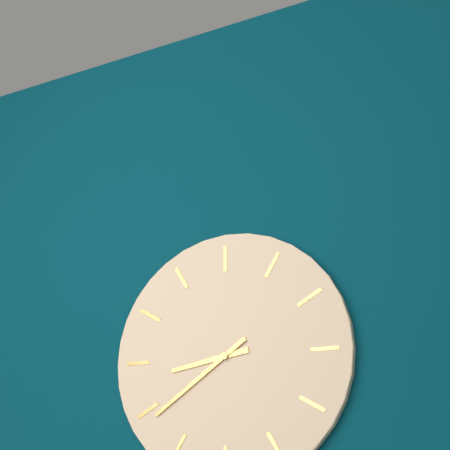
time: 8:39
